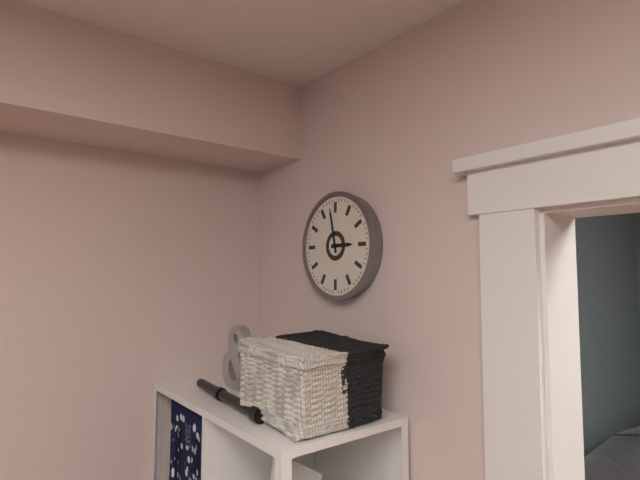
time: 2:58
